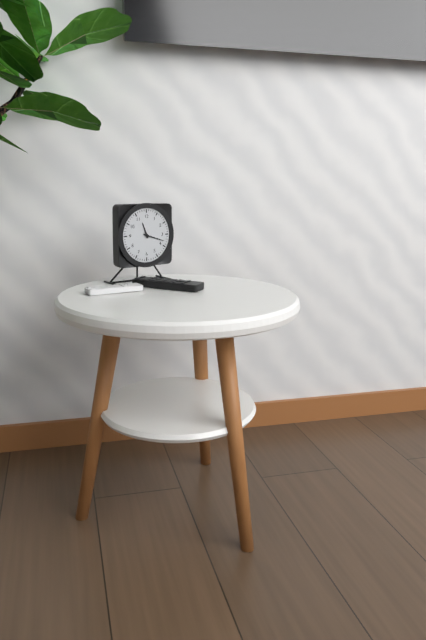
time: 11:18
